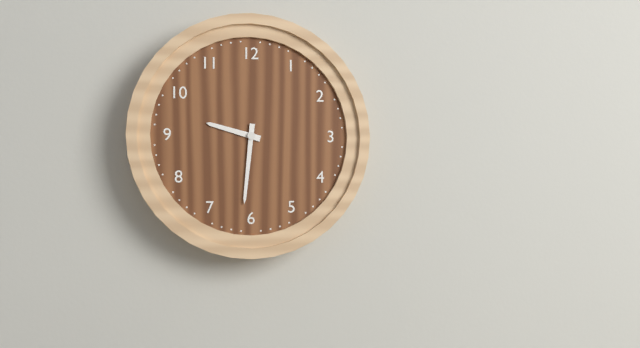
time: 9:31
